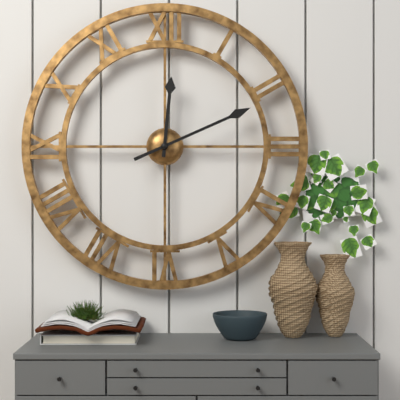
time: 12:11
